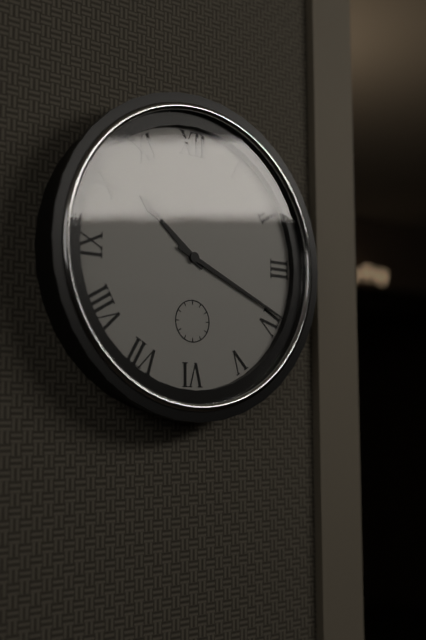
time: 10:19
